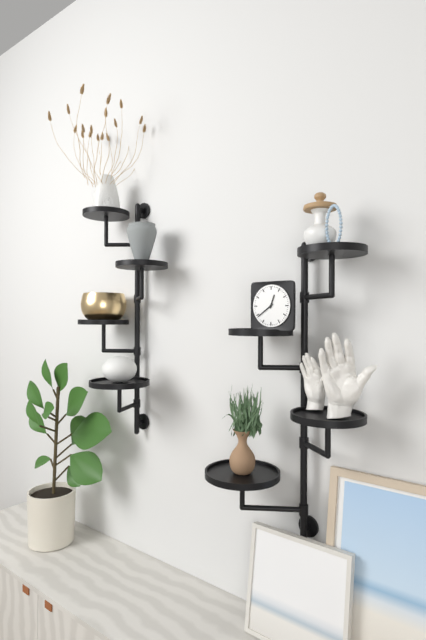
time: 12:39
